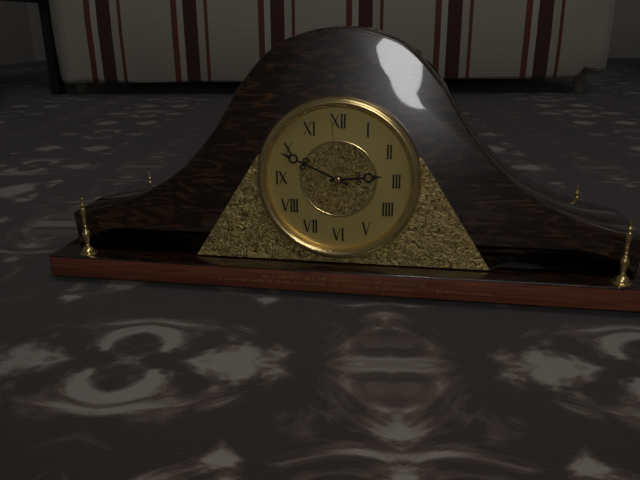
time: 2:49:59
